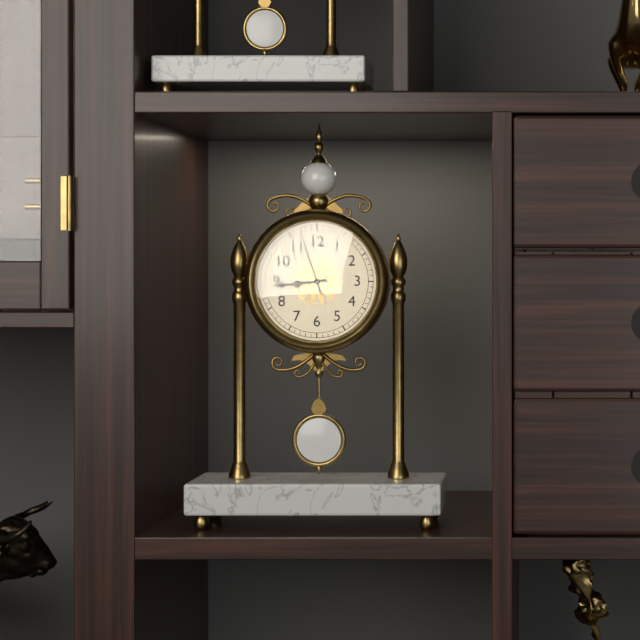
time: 8:44:57
